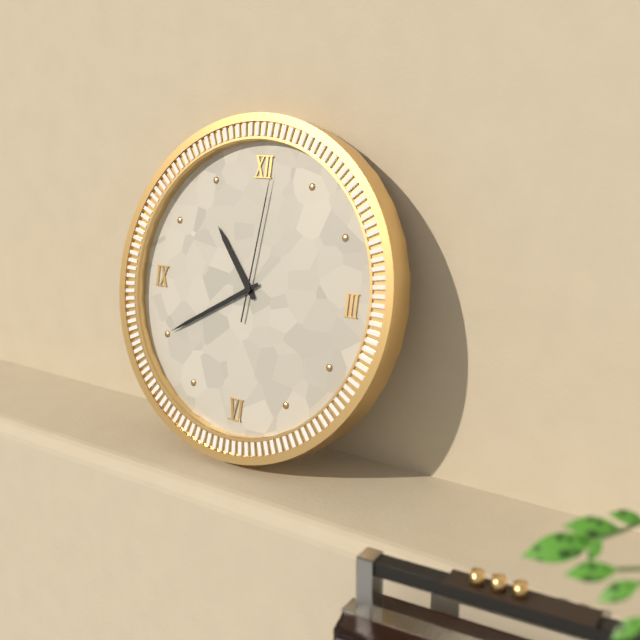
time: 10:40:01
